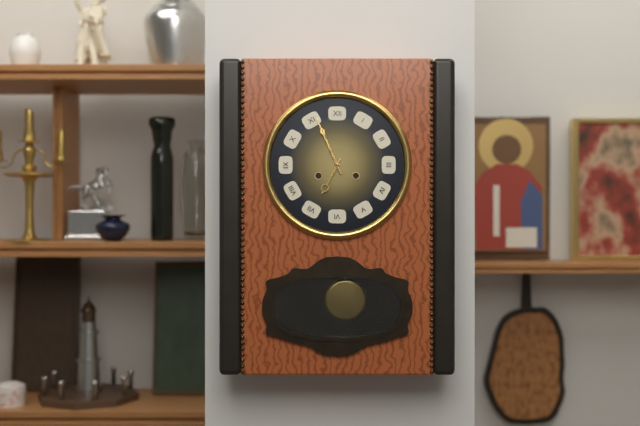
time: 6:56
